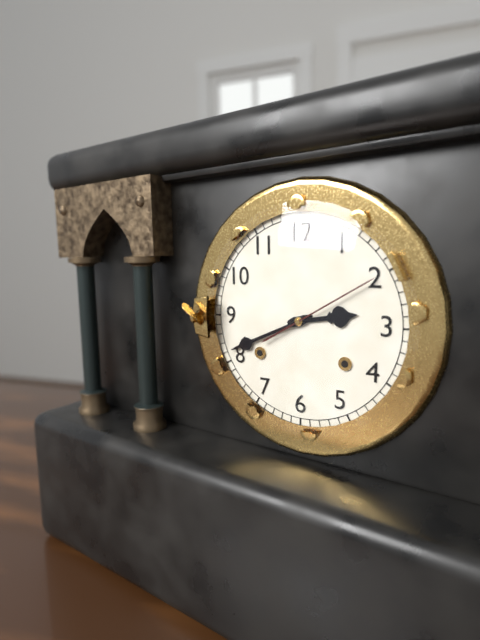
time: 2:41:10
